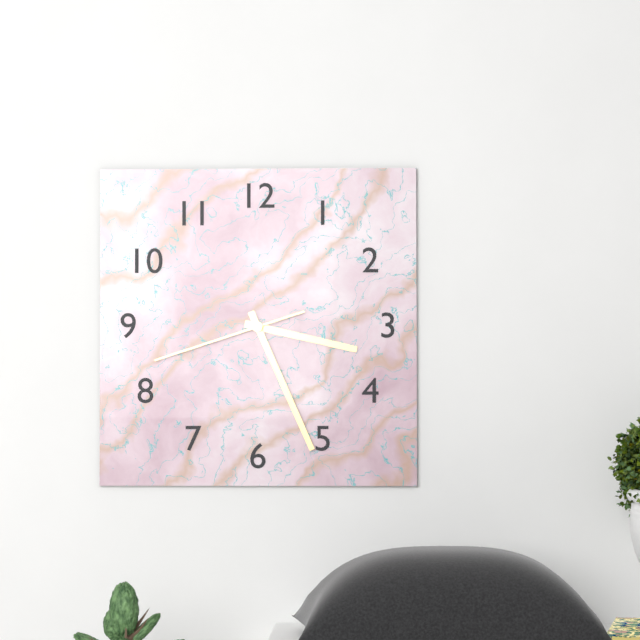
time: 3:26:42
